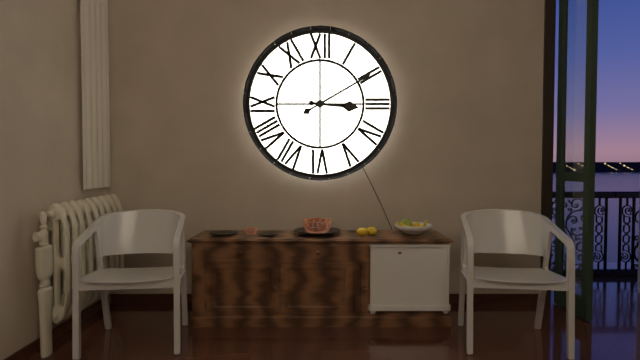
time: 3:10
